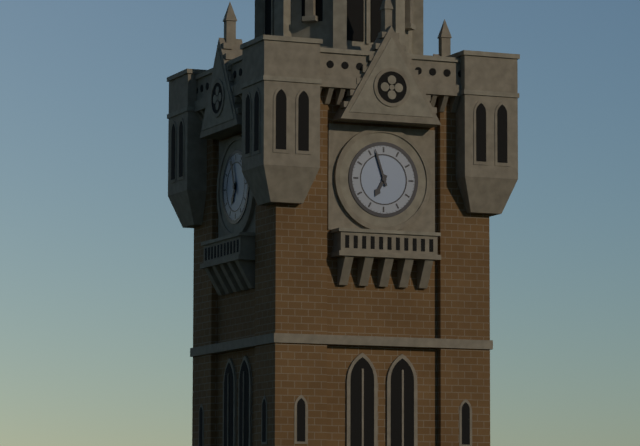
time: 6:57
